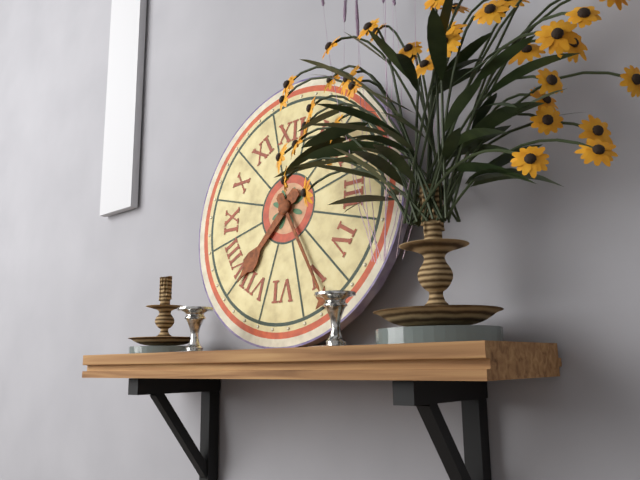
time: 7:25
